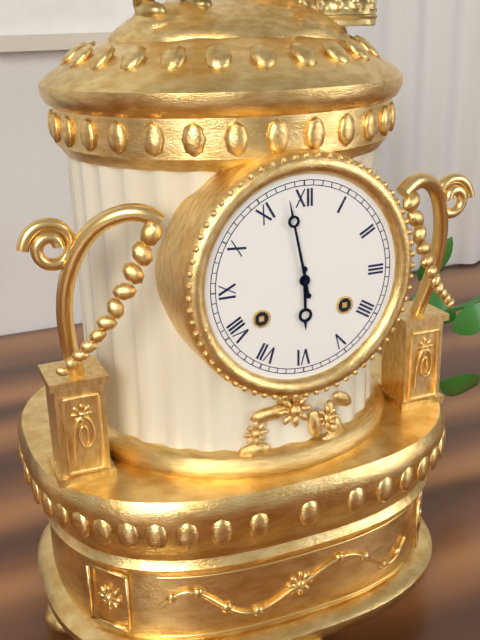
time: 5:58
